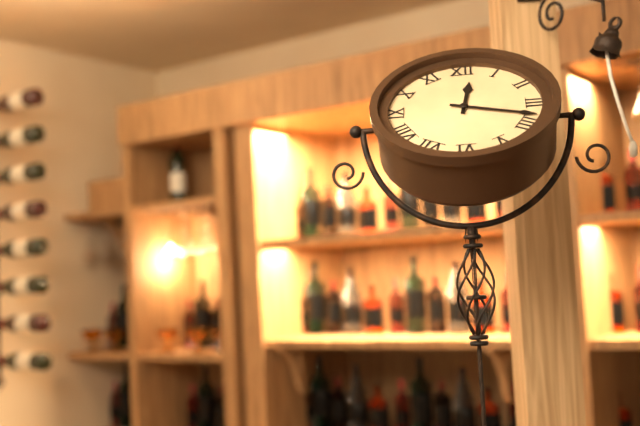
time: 12:18
